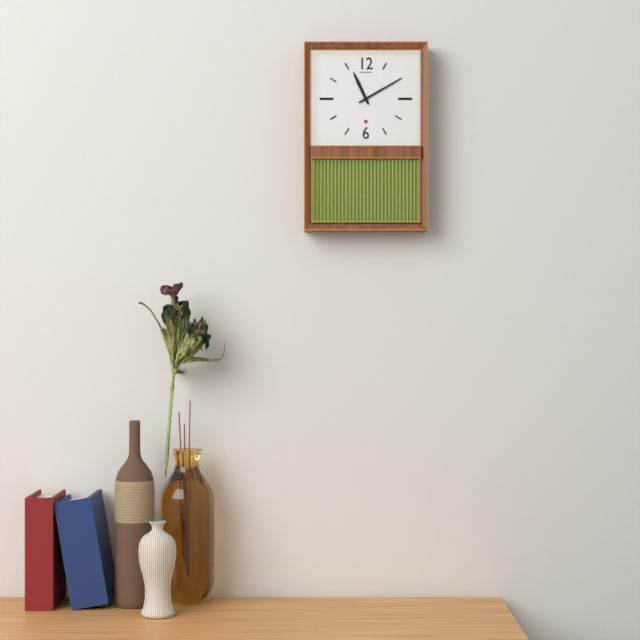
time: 11:10
